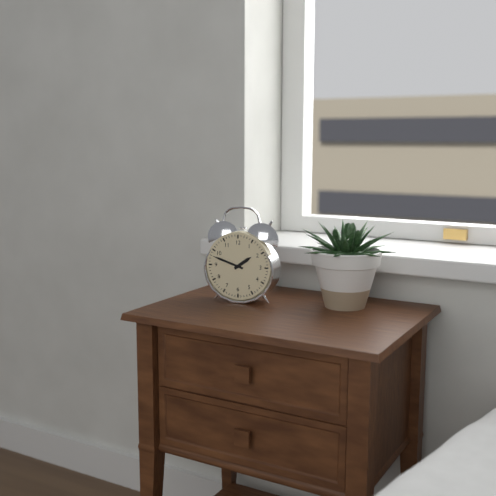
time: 1:48
